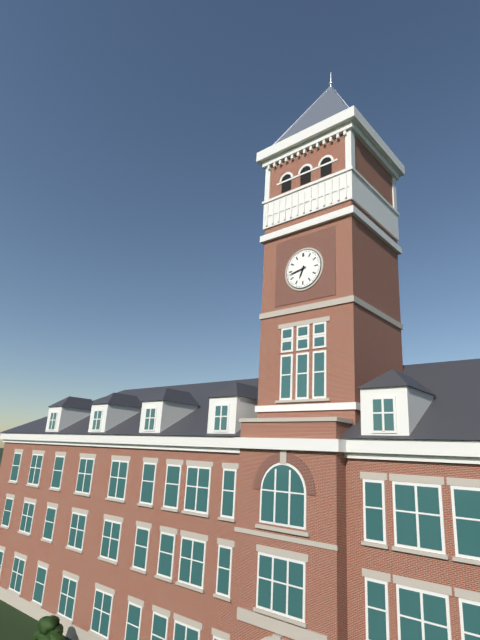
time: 6:43
